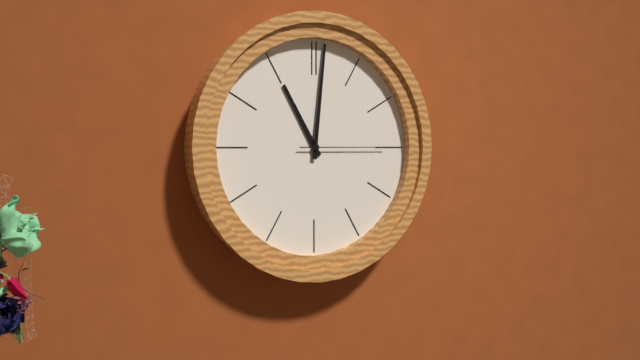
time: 11:01:15
